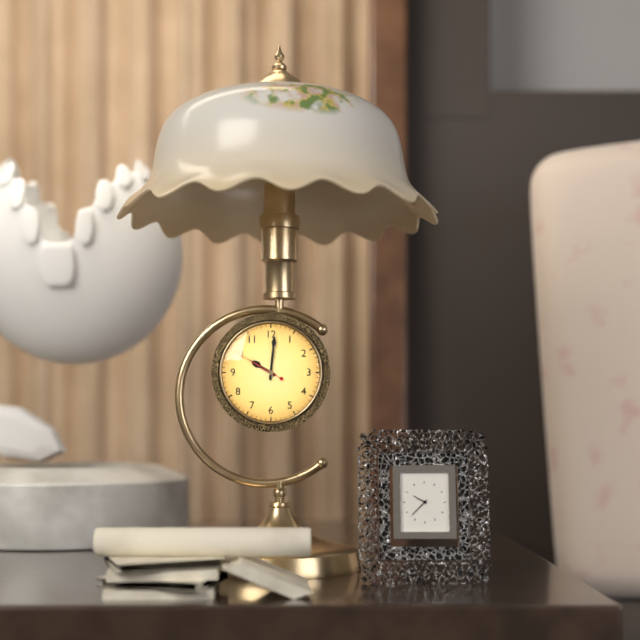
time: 10:01
